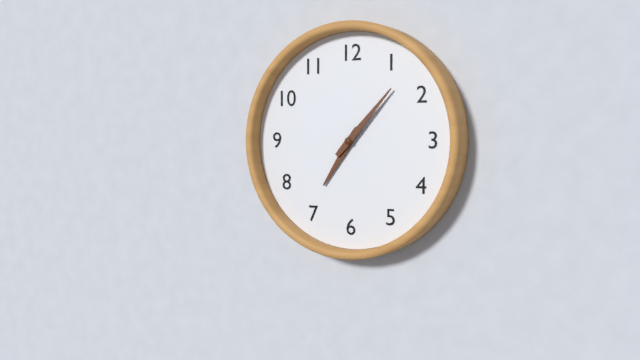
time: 7:07
